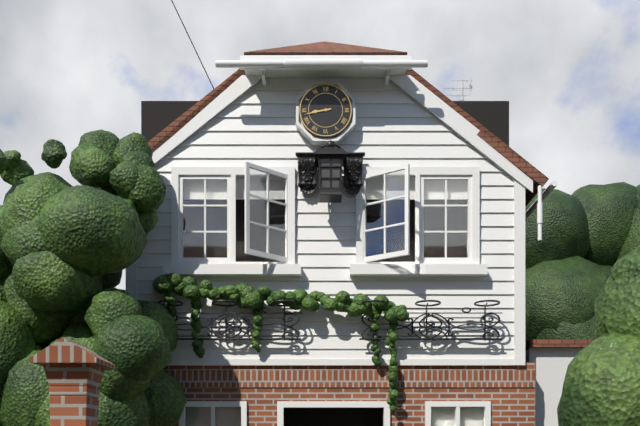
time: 8:43
